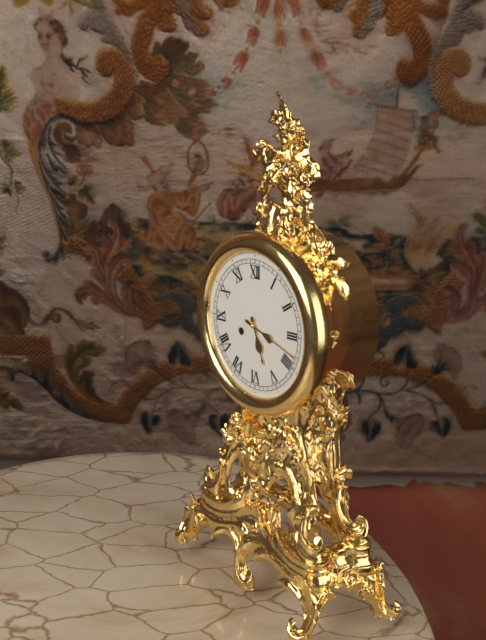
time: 5:18
